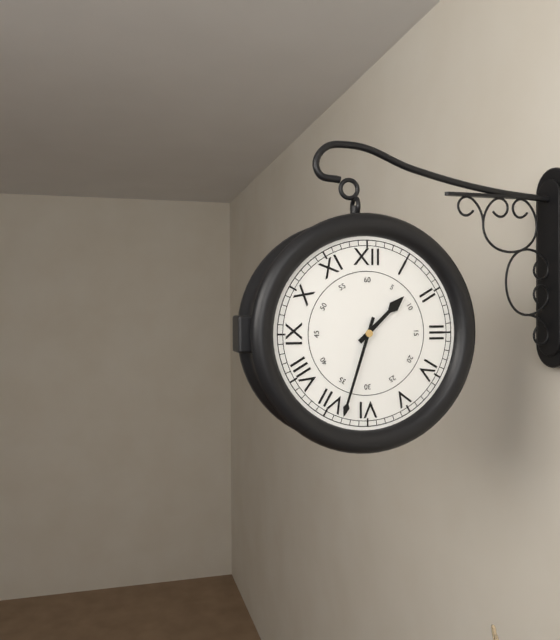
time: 1:33
